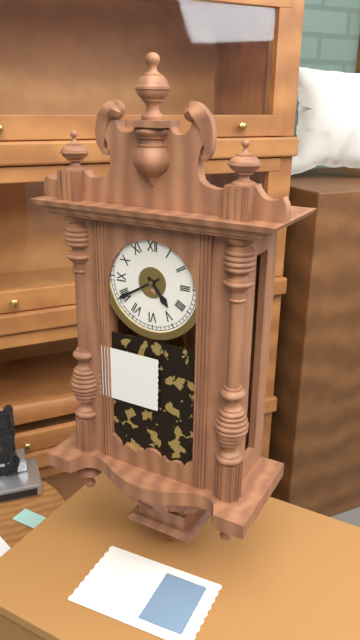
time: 4:40
